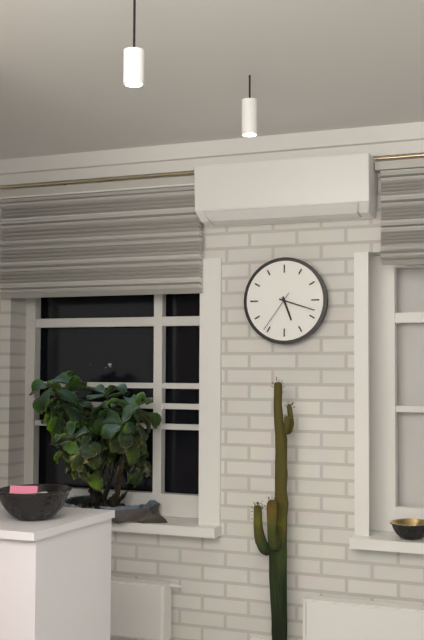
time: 5:18
